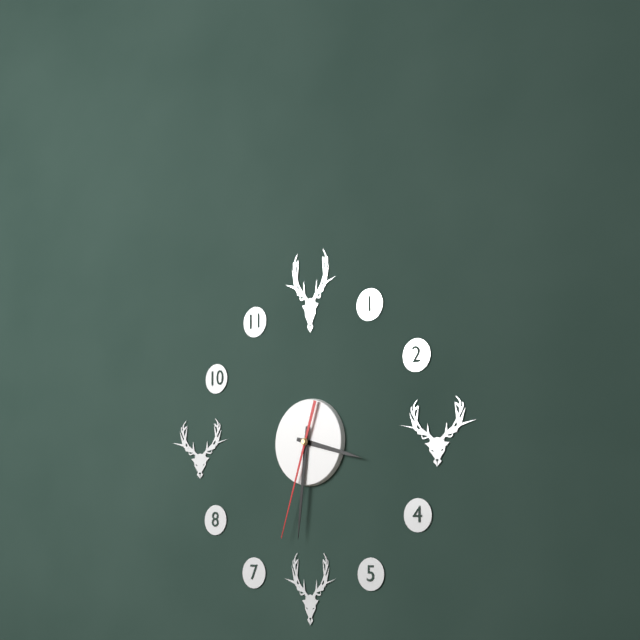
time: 3:31:33
